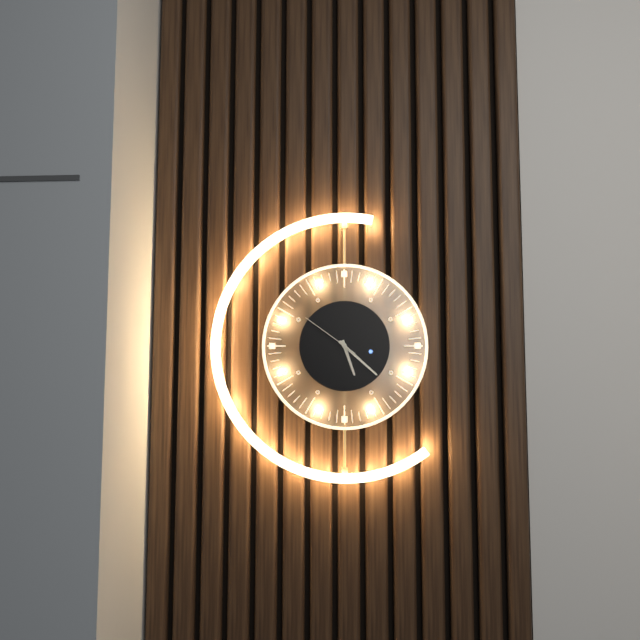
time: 5:22:51
